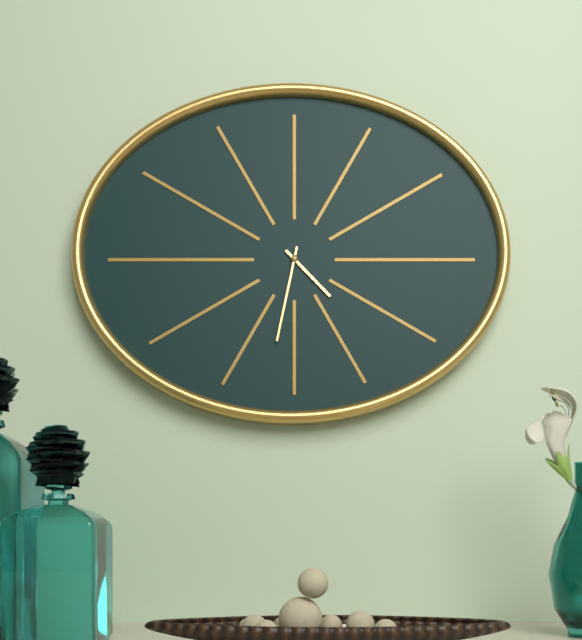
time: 4:32
